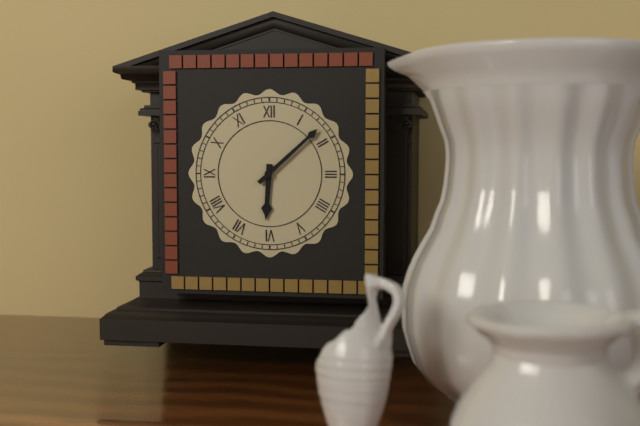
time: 6:08
